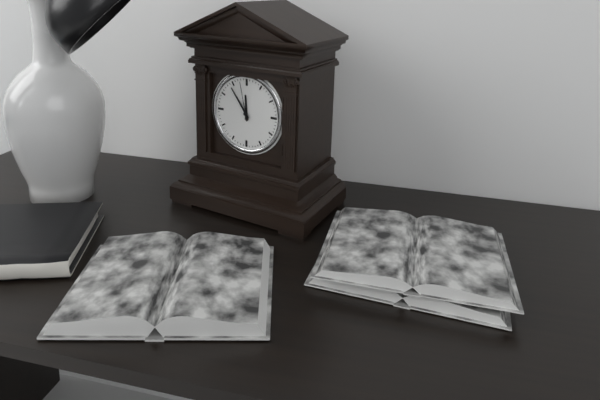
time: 11:54
